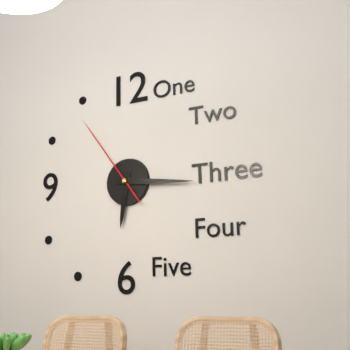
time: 6:16:54
